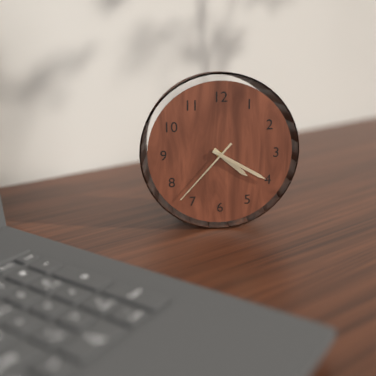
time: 4:20:37
